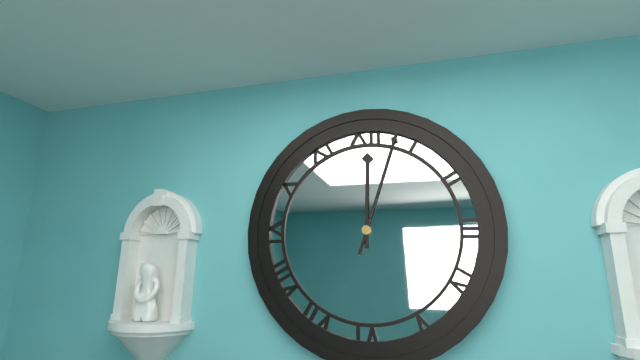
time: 12:03
